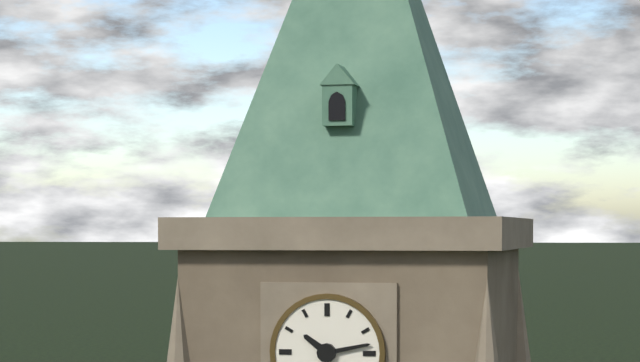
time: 10:13
